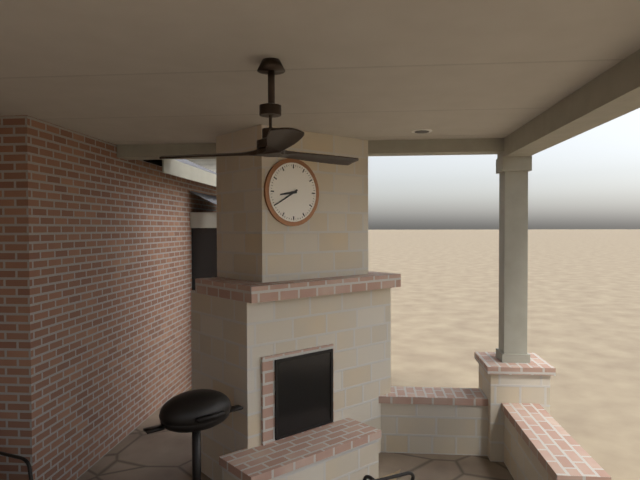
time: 8:40
